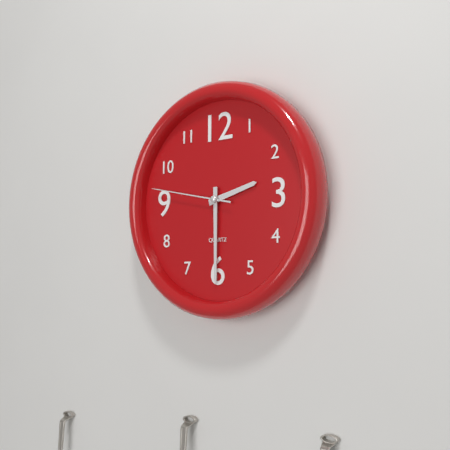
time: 2:30:47
